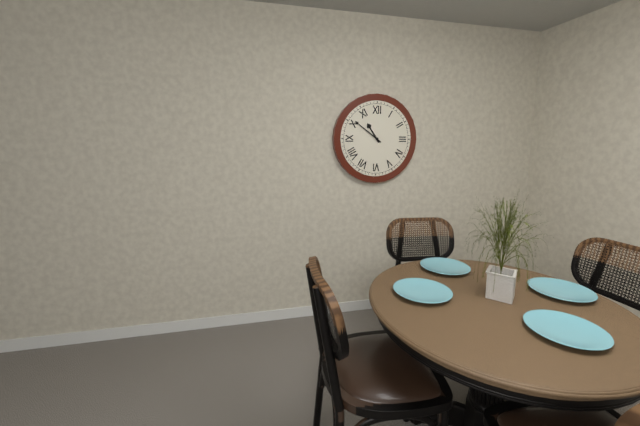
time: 10:51
